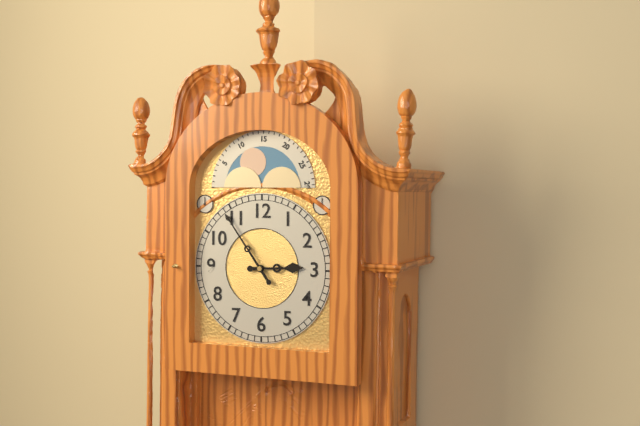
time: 2:54
